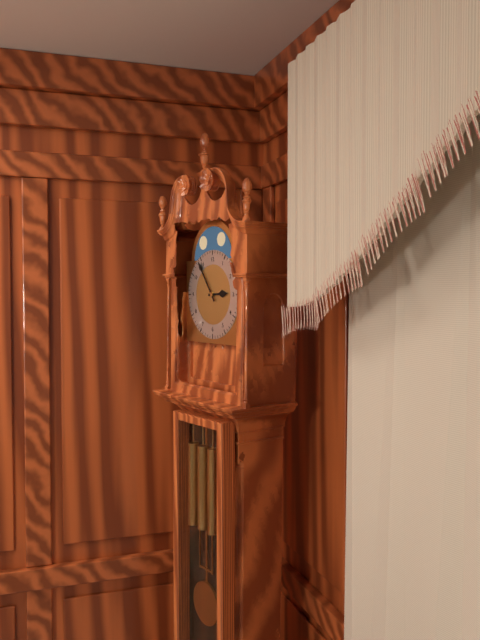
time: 2:54
